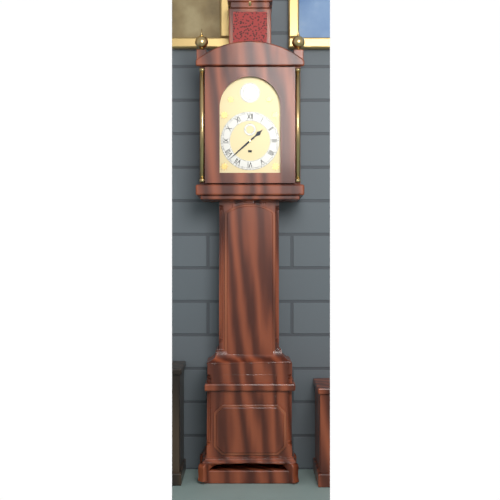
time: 1:38
